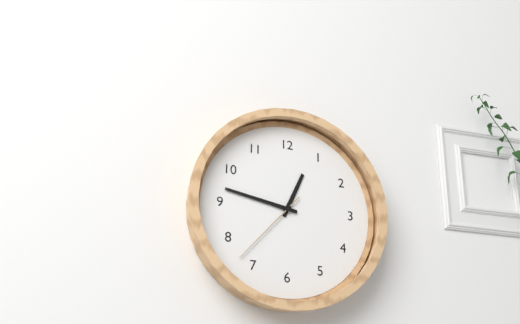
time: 12:47:37
